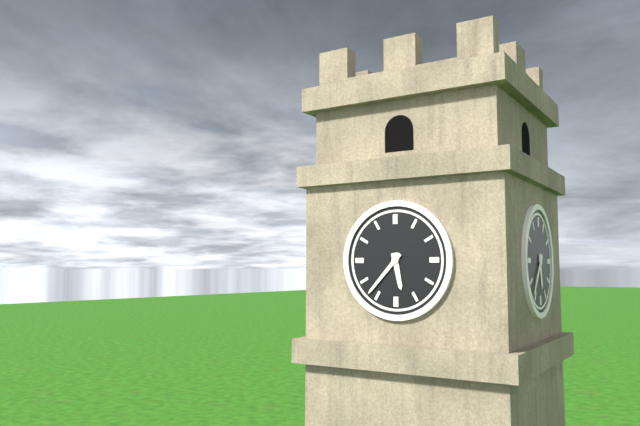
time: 5:37
